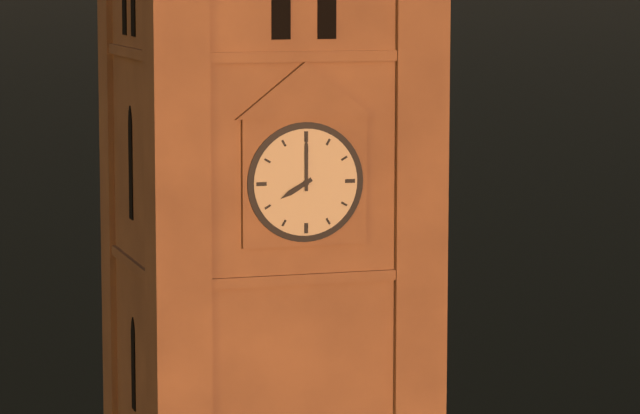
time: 8:00
